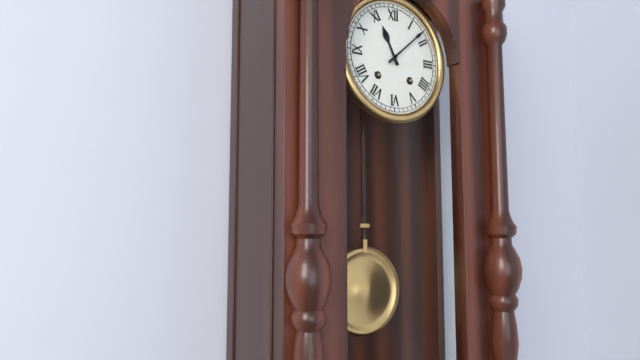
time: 11:08
